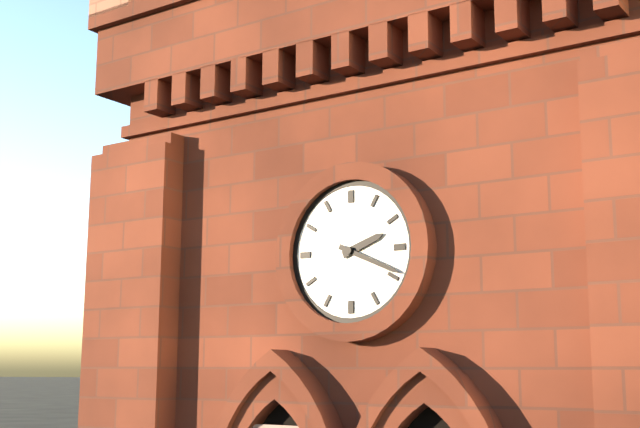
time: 2:19
